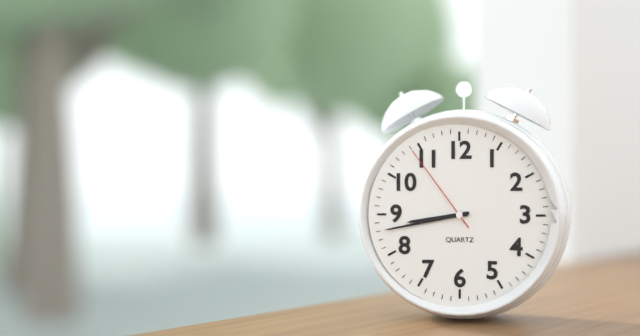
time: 8:43:54
